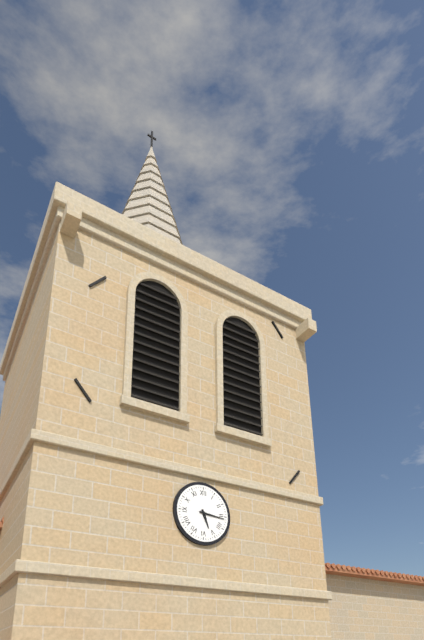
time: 5:16
